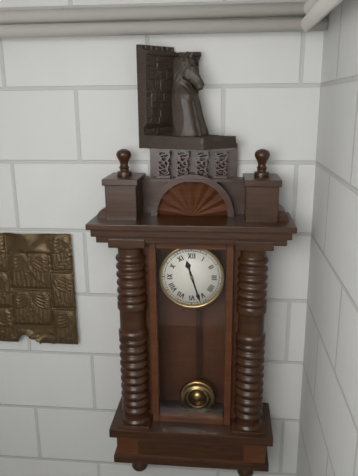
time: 11:27
